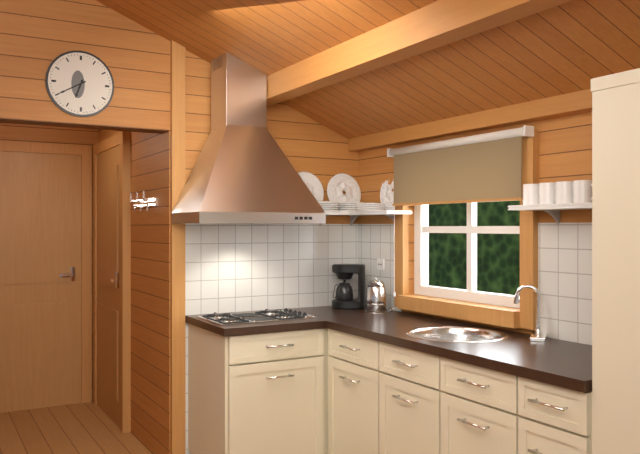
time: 6:40
